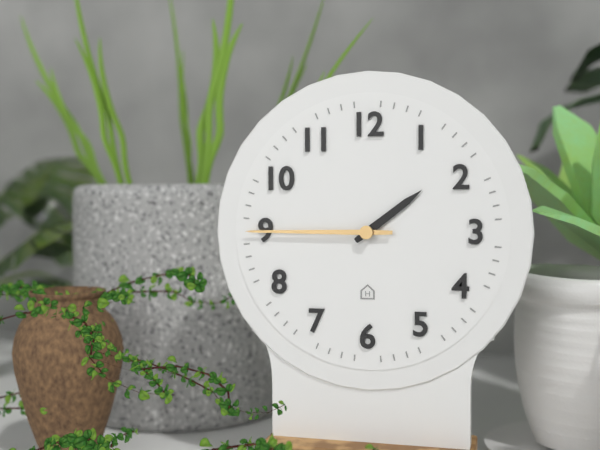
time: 1:45
